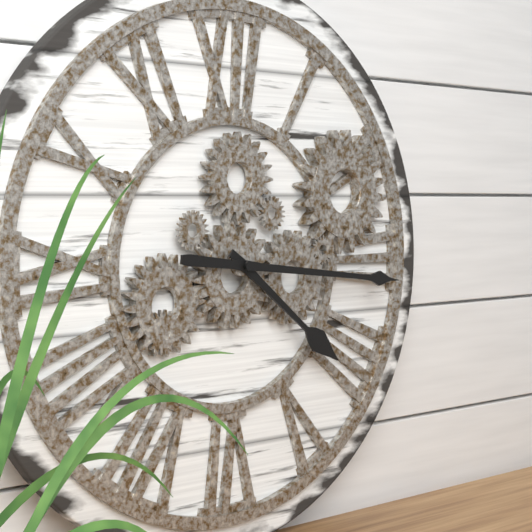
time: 4:16
